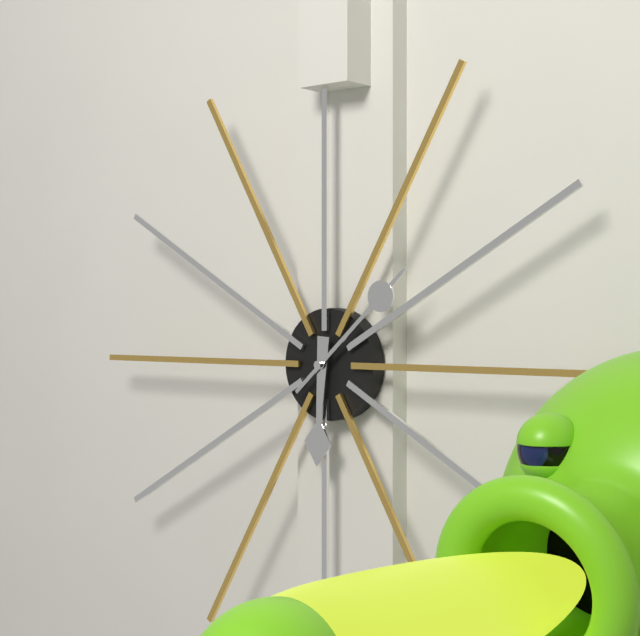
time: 6:08
